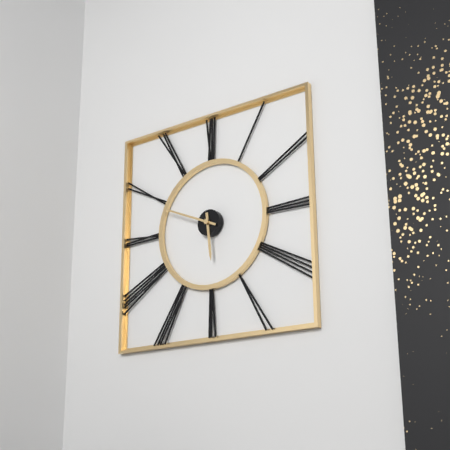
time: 5:49
